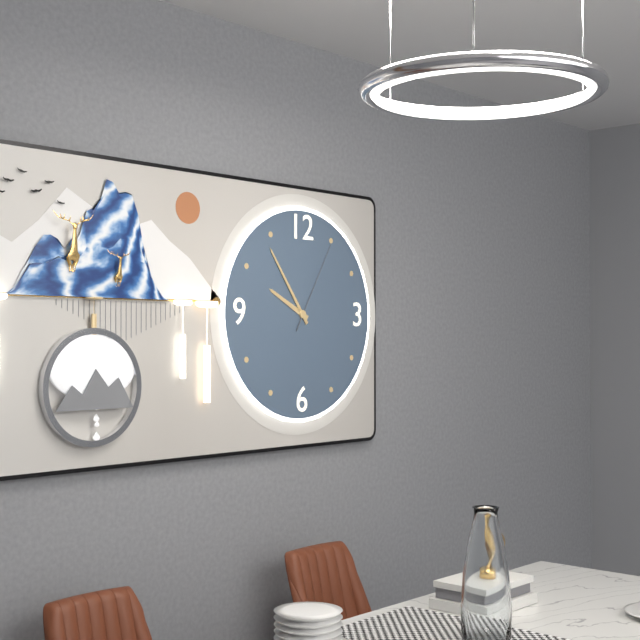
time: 9:54:05
